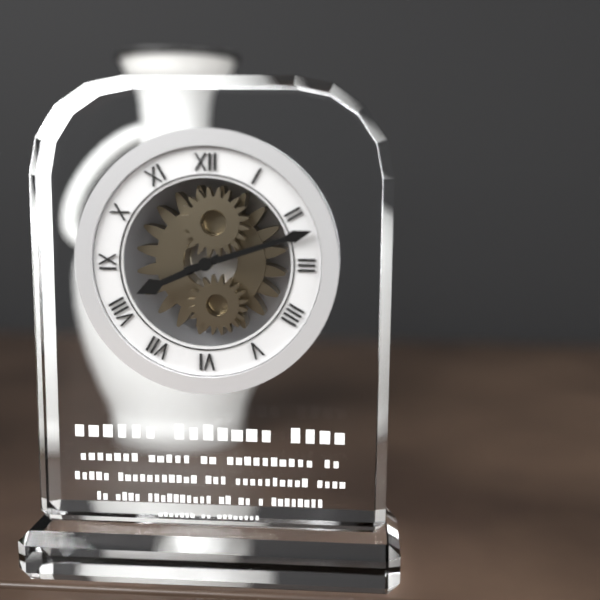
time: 8:12
